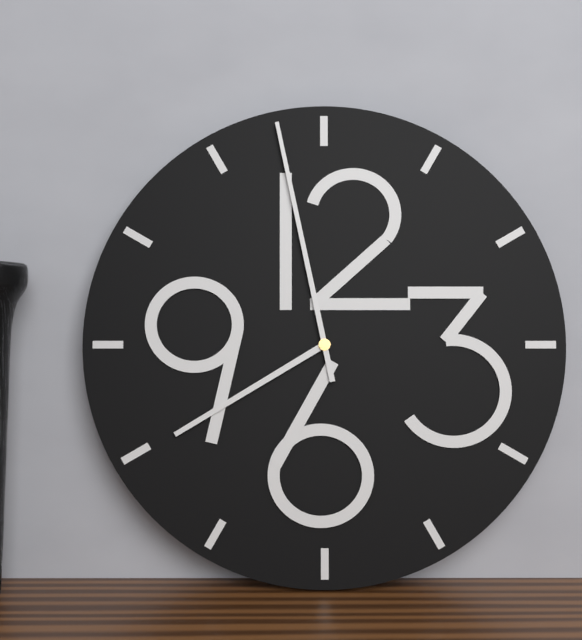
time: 7:58
